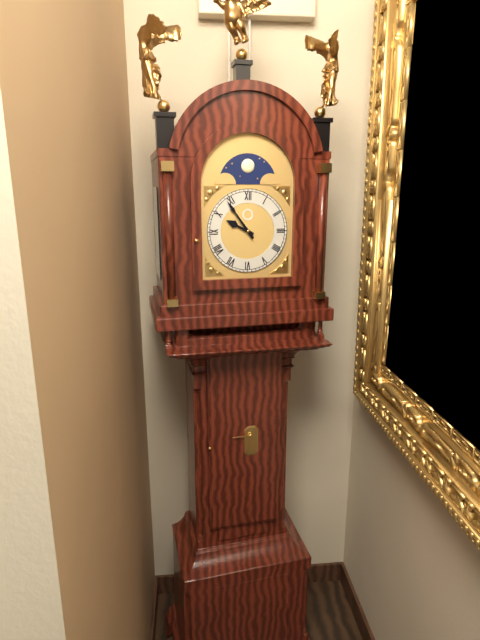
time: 9:54
